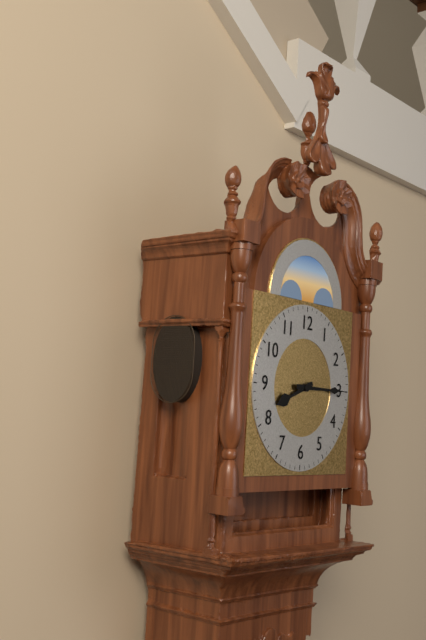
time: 8:15
